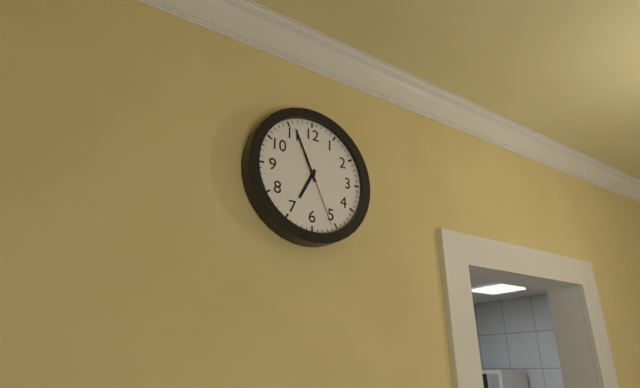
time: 6:56:26
